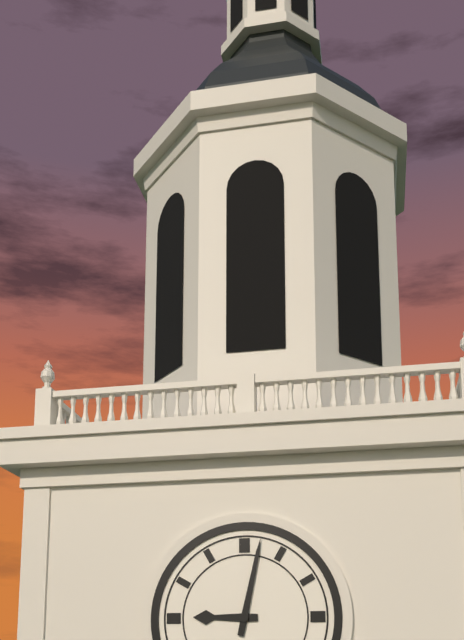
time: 9:02
